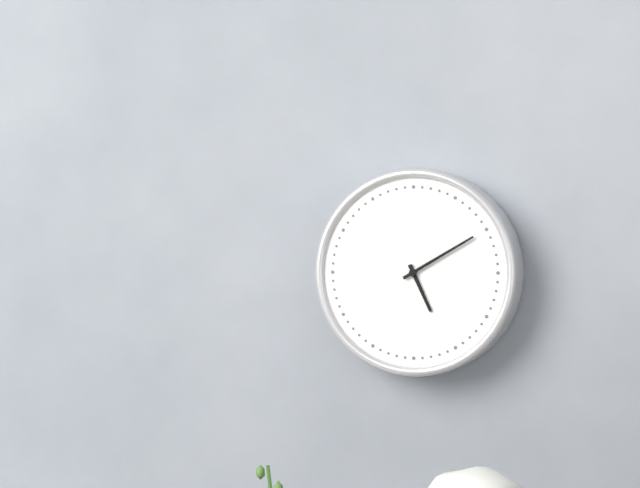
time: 5:10
